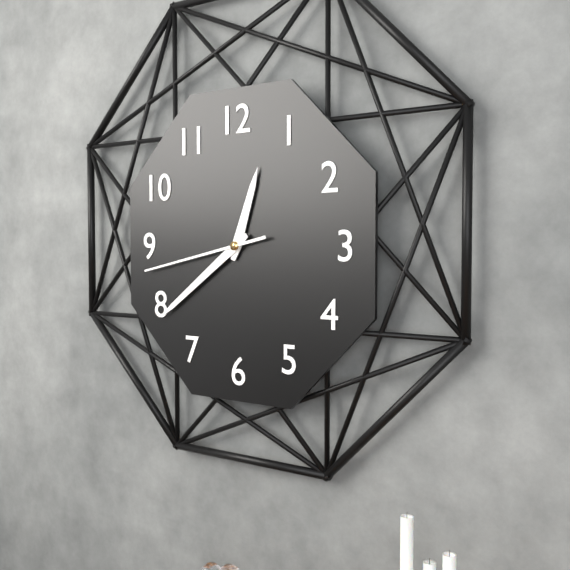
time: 12:39:43
